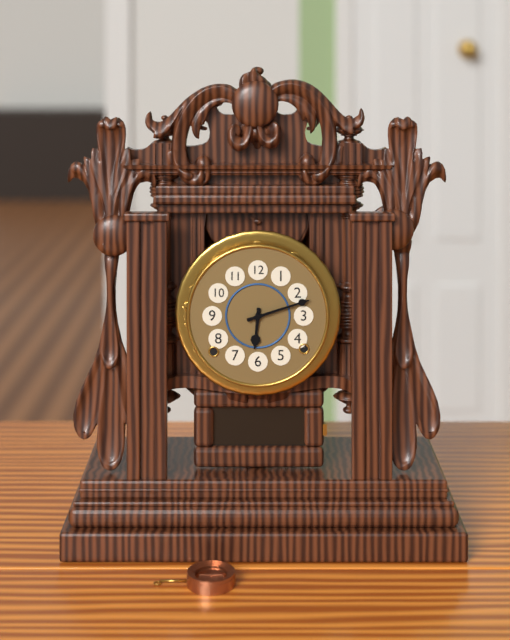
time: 6:12
